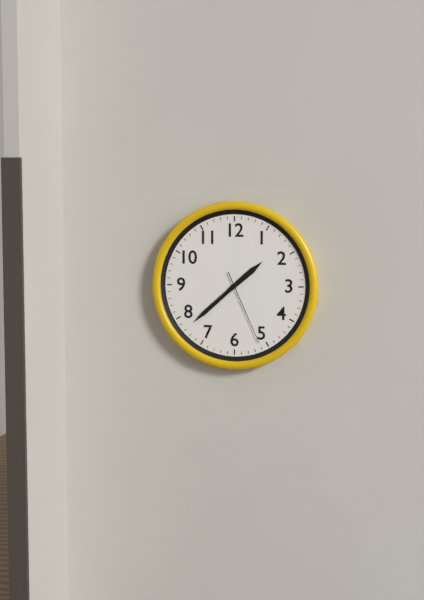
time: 1:38:26
